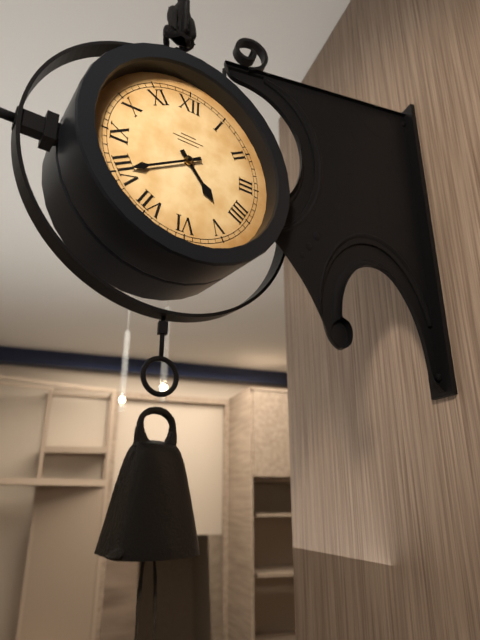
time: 4:40
